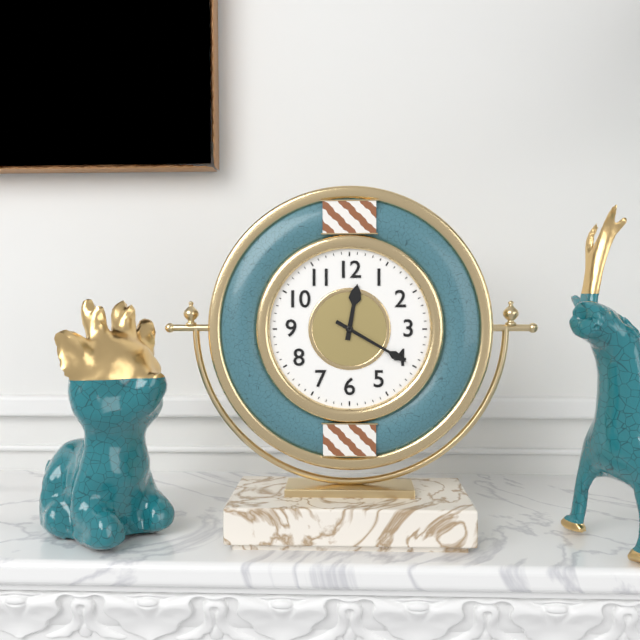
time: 12:20
